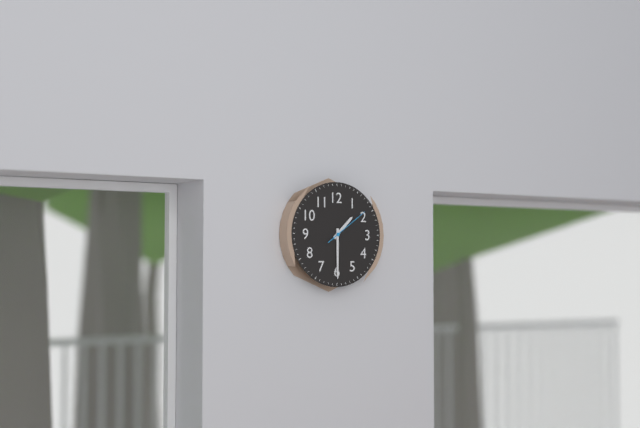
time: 1:30
